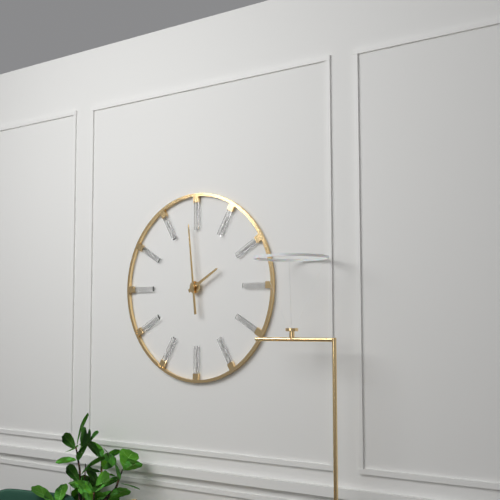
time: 1:59
